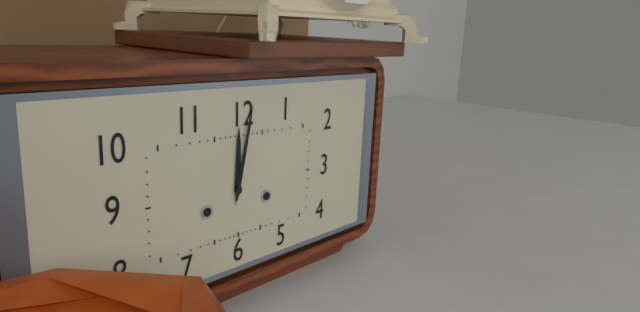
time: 12:02
